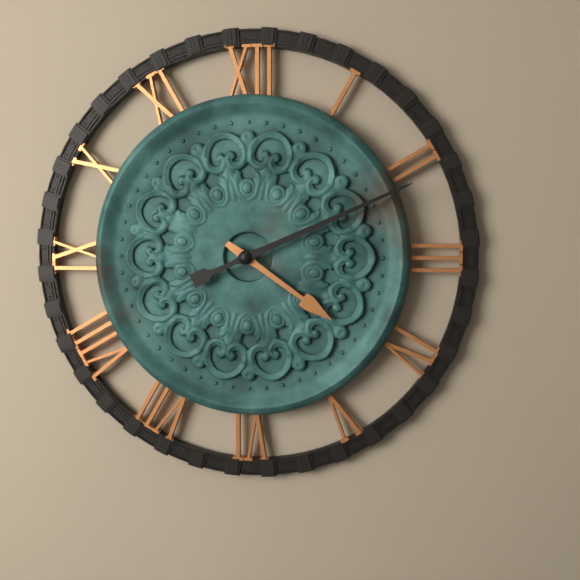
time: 4:11
